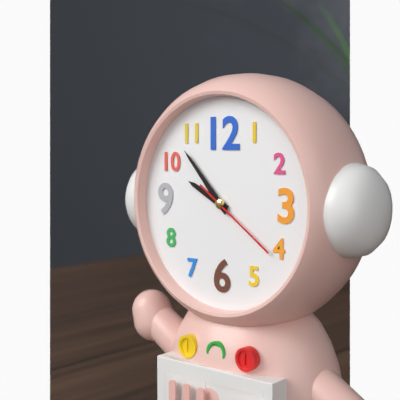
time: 9:53:21
